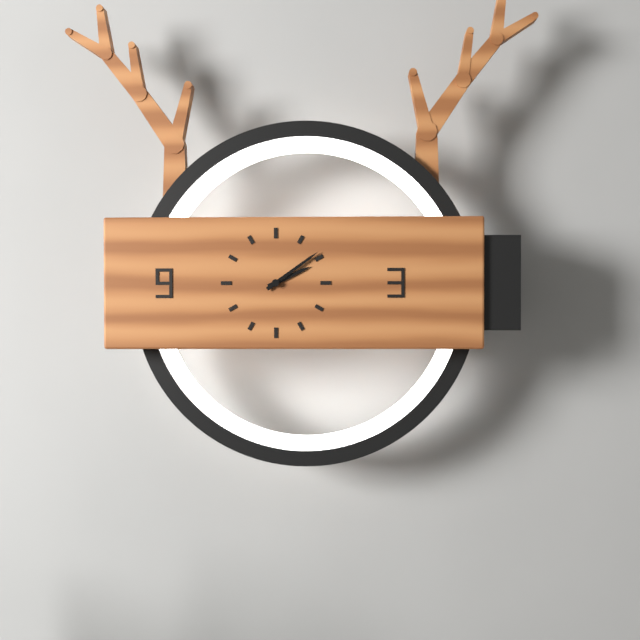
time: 2:09
